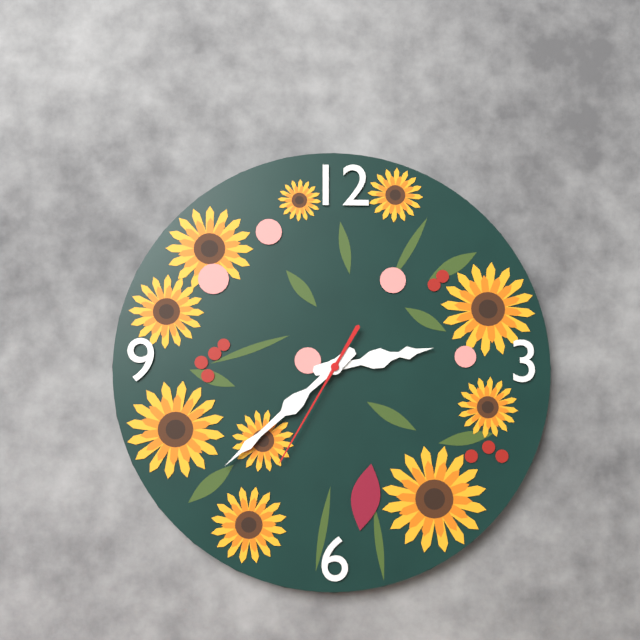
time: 2:38:35
